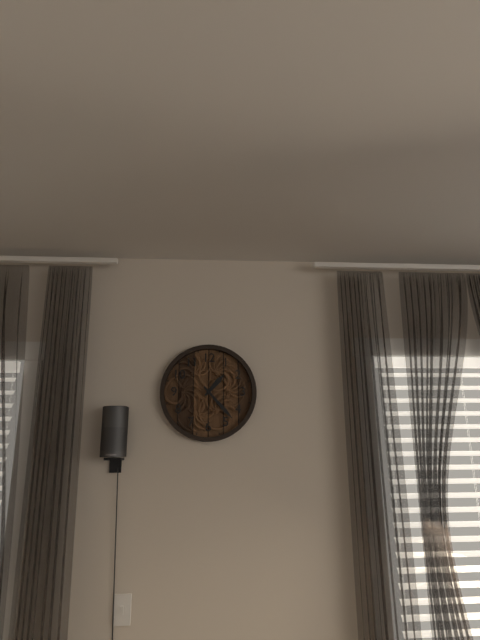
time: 1:23
